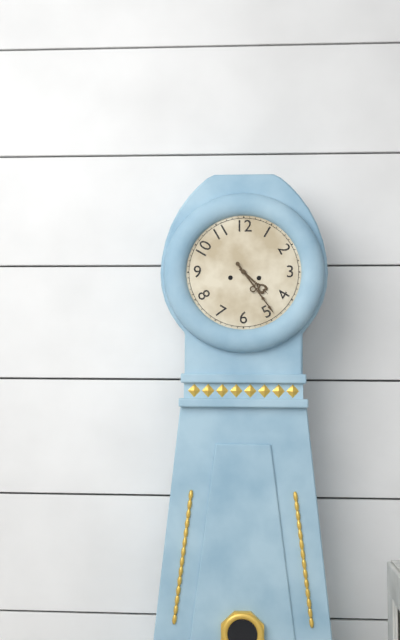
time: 4:24
